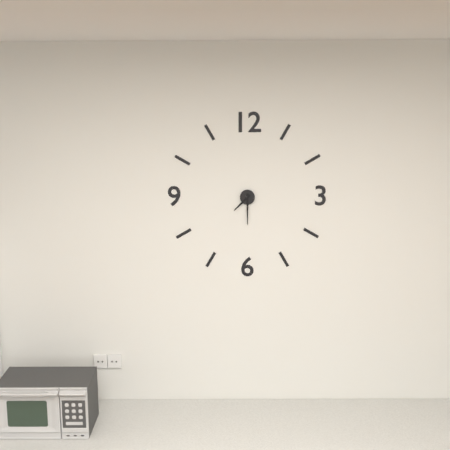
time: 7:30
